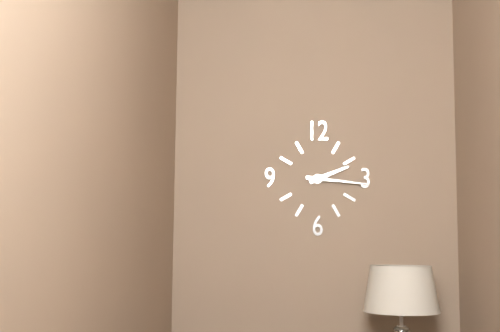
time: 2:16
